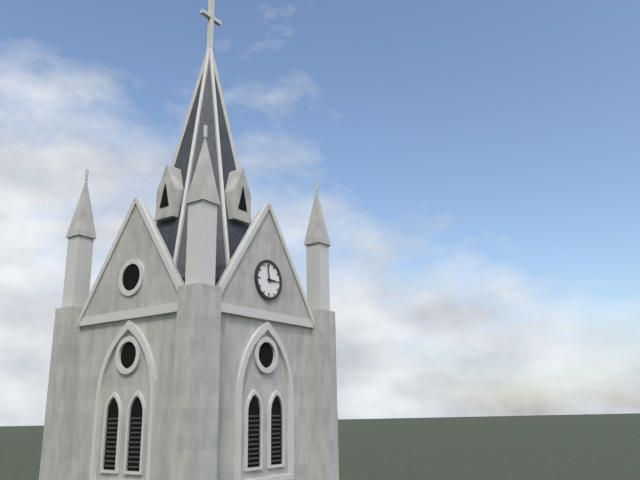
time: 2:58
